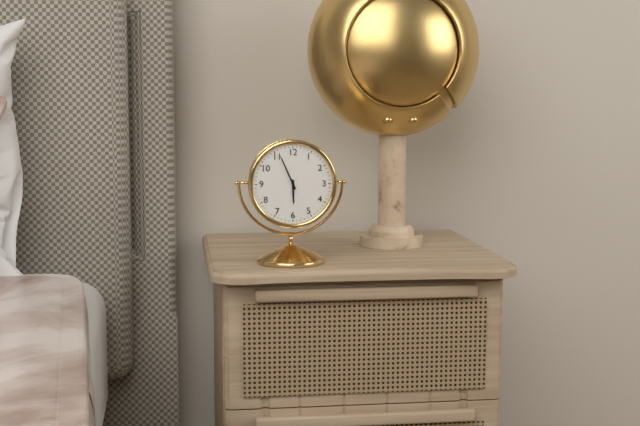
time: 5:56
